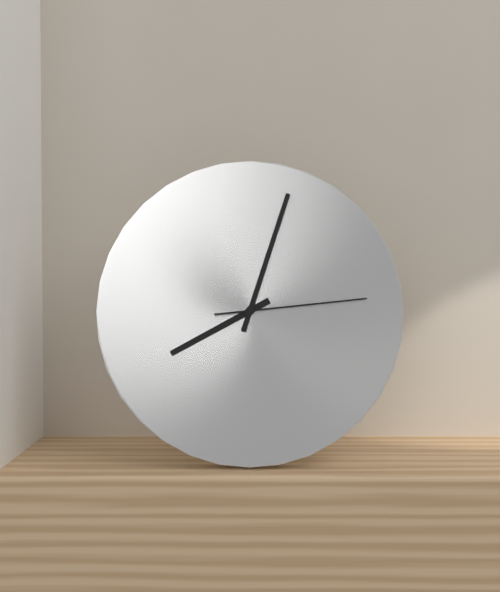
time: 8:03:14
